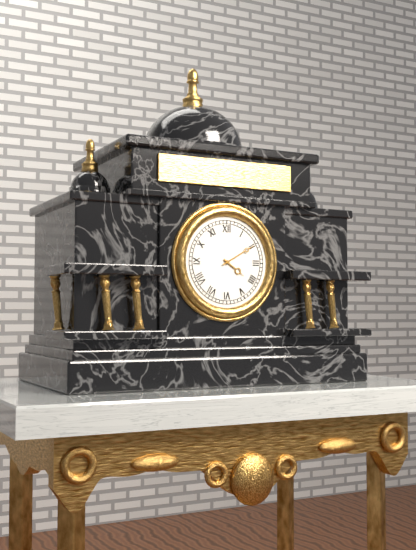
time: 4:10
